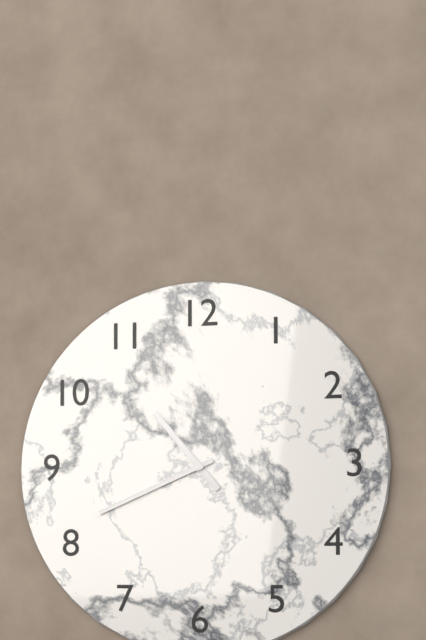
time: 10:41
